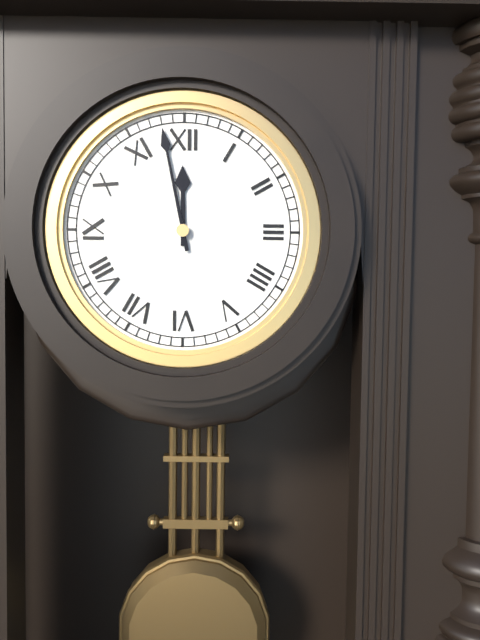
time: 11:58
